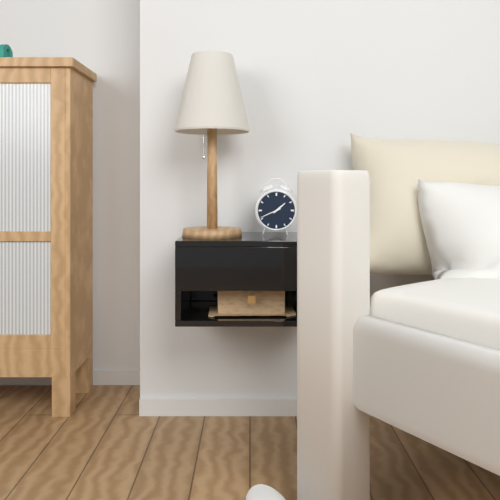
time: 1:41
